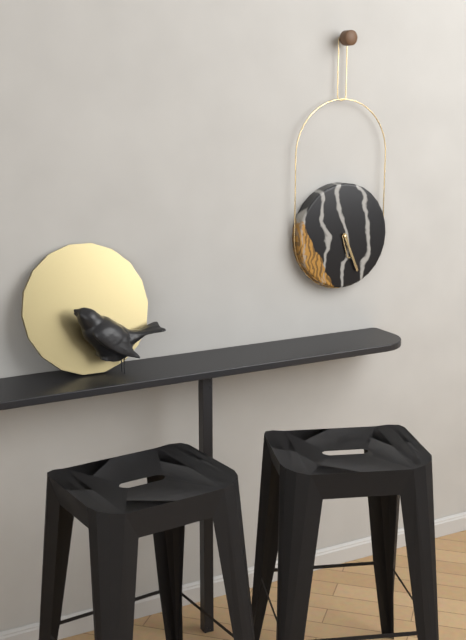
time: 5:26
